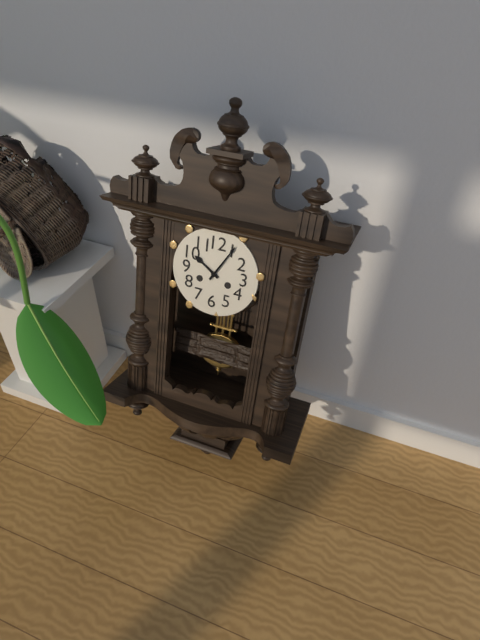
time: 10:05
